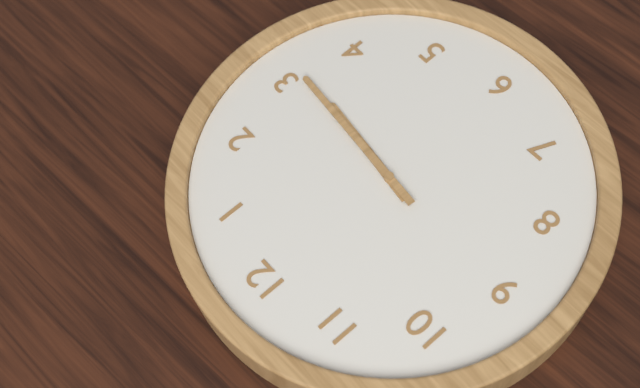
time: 3:16
